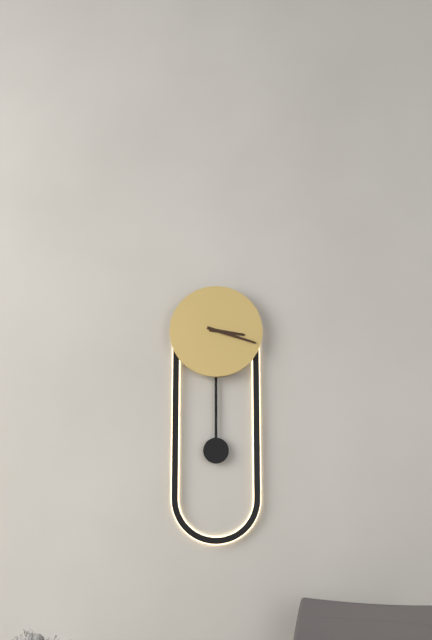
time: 3:18
